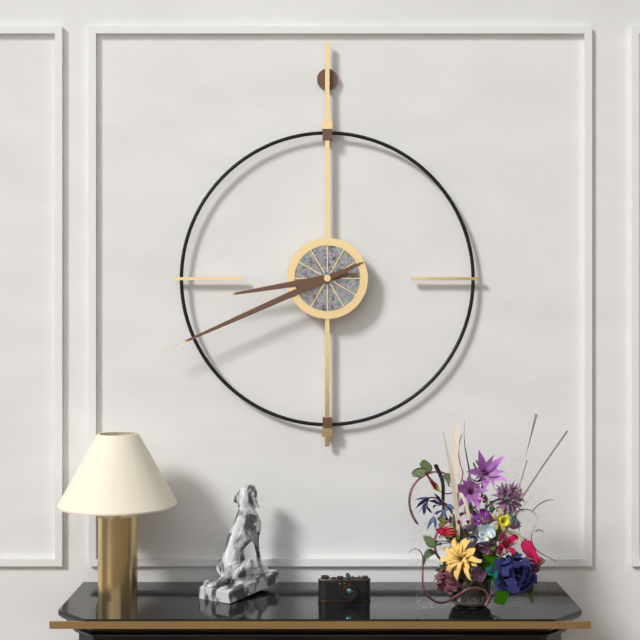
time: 8:41
